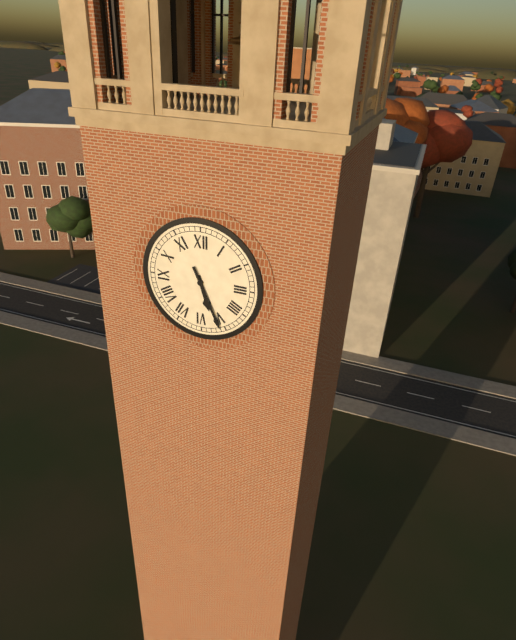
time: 5:26
